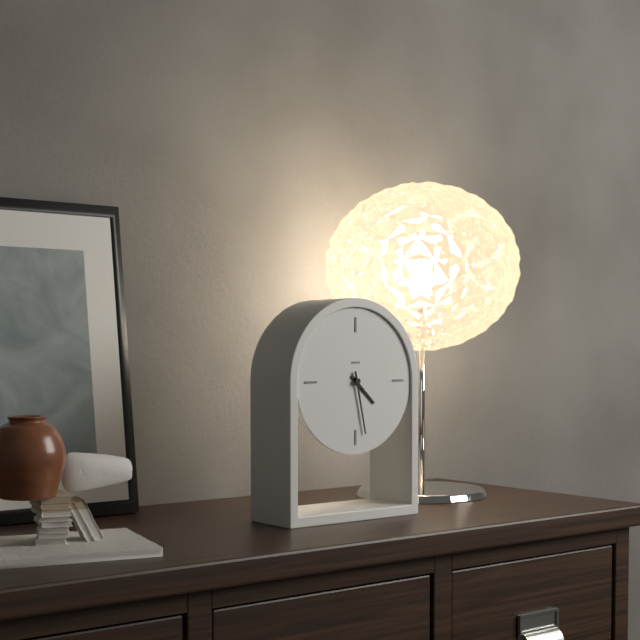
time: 4:28
